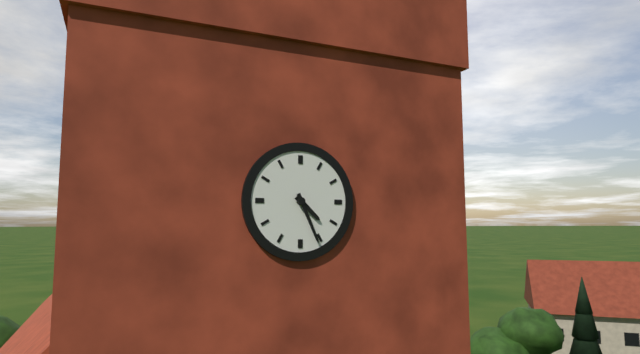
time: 4:26
